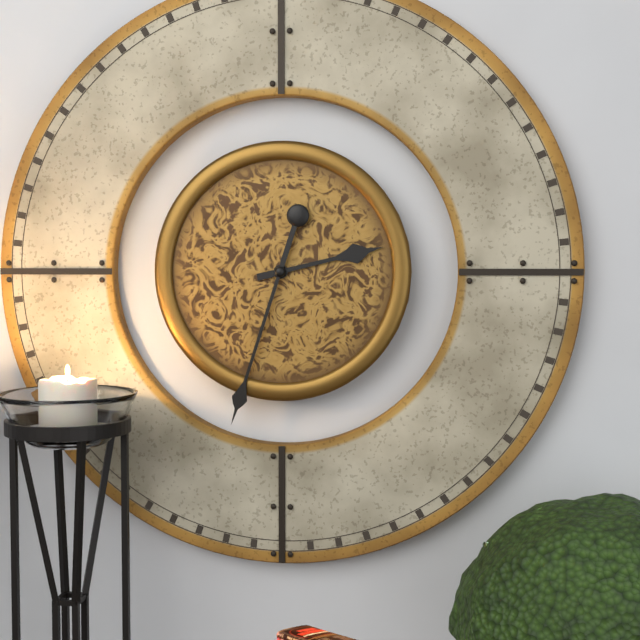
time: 2:33
